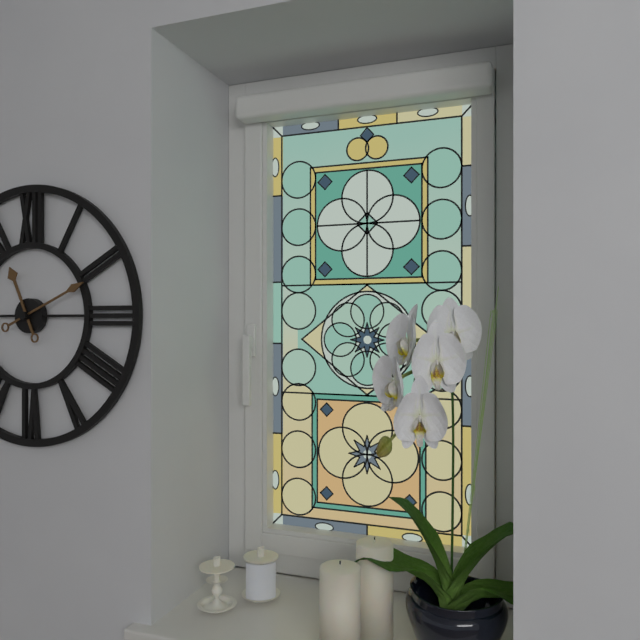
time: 11:11
